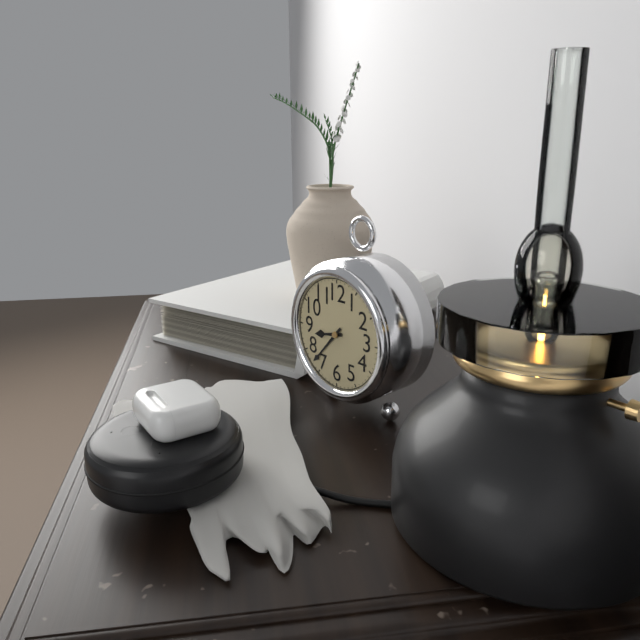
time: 8:37
